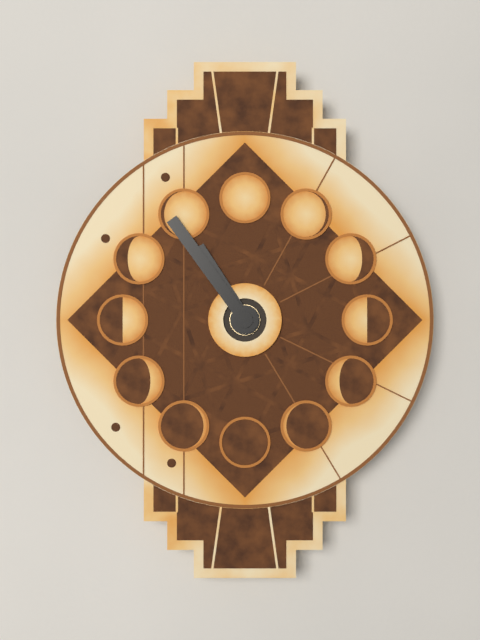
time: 10:54
